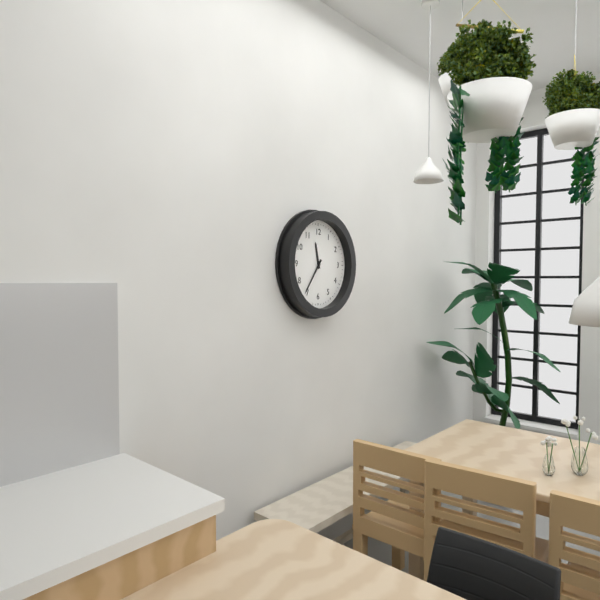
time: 11:36
